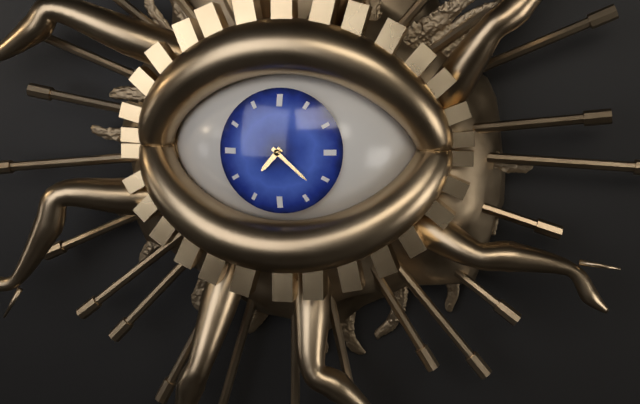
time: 7:22
